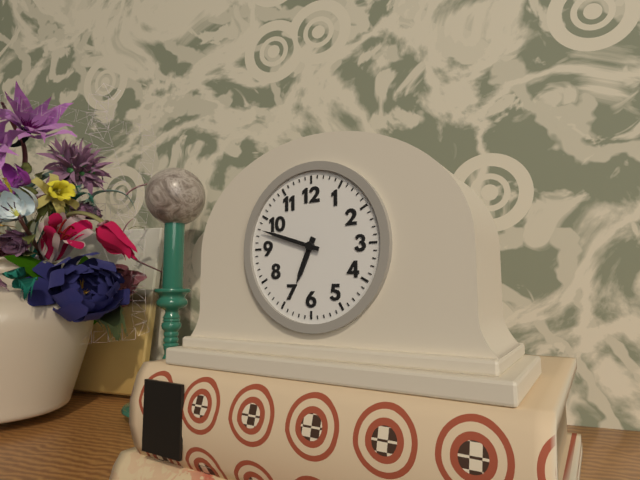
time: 6:48
